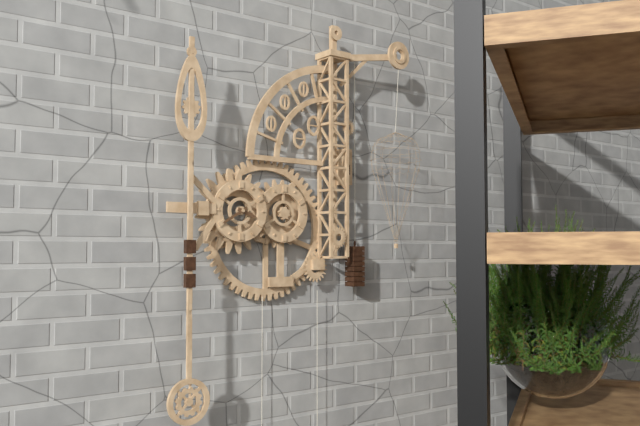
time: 3:40
